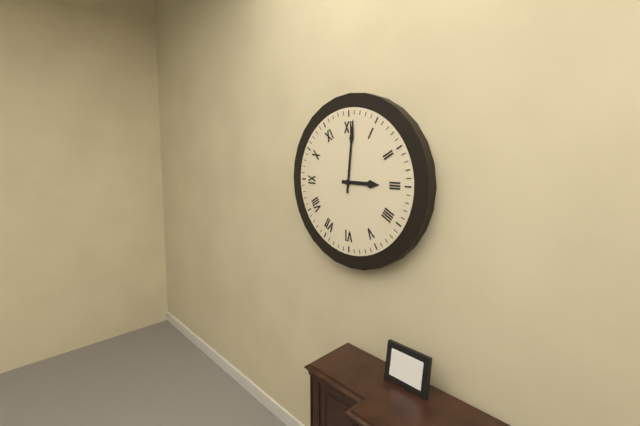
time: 3:01
